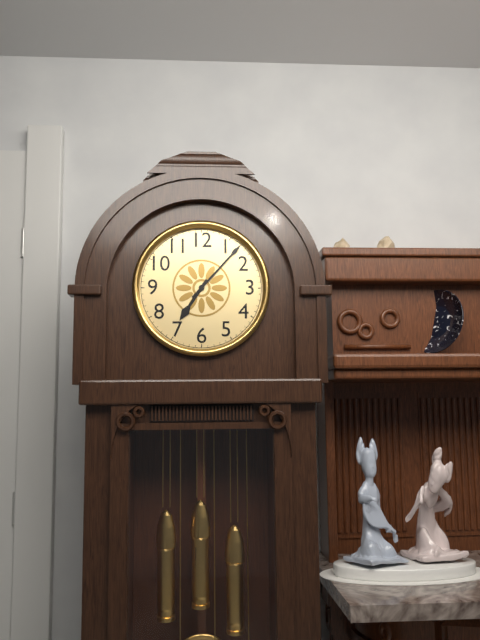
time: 7:07
